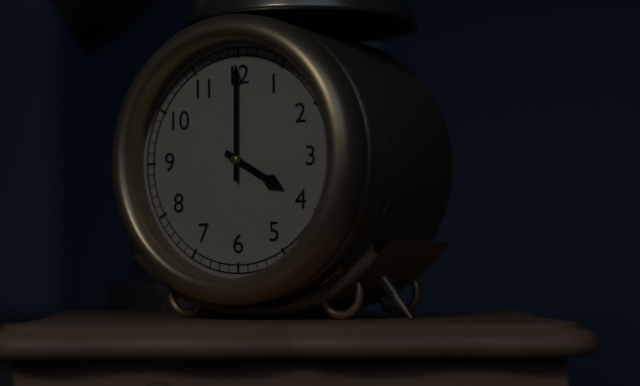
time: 4:00
